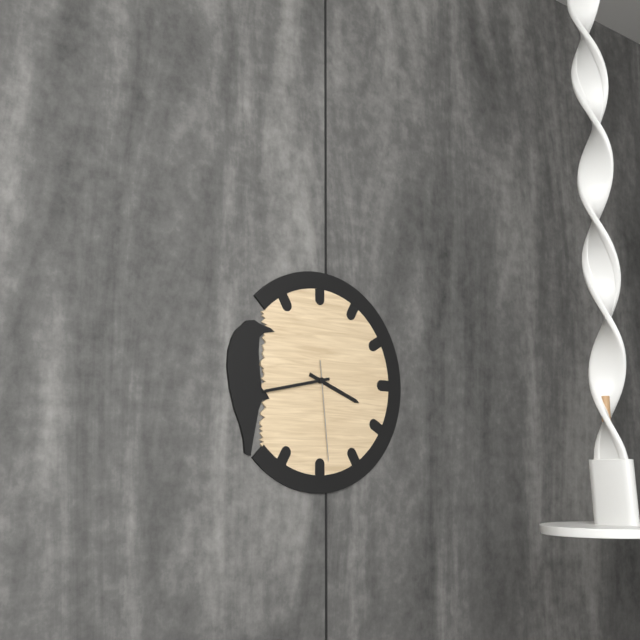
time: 3:43:29
